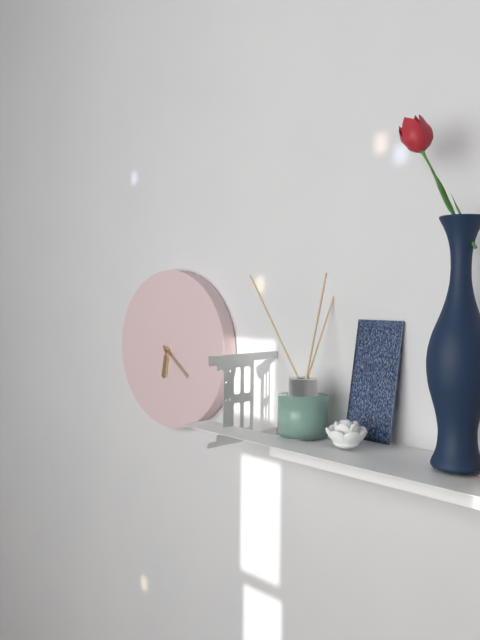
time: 6:21
